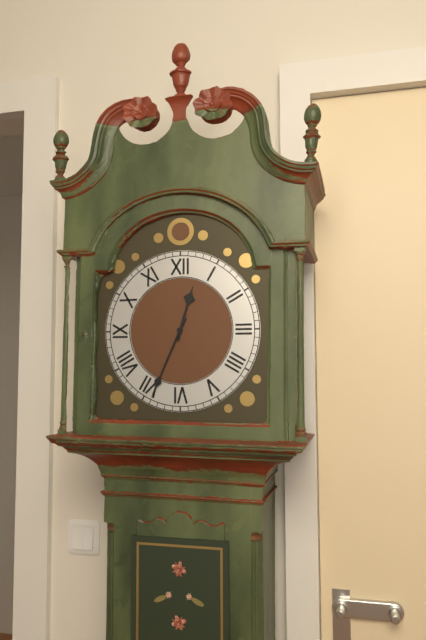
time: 12:34
